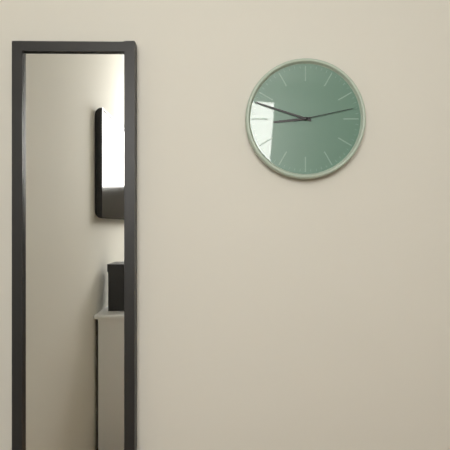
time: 8:48:13
